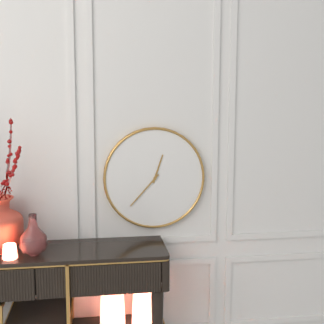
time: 12:37
